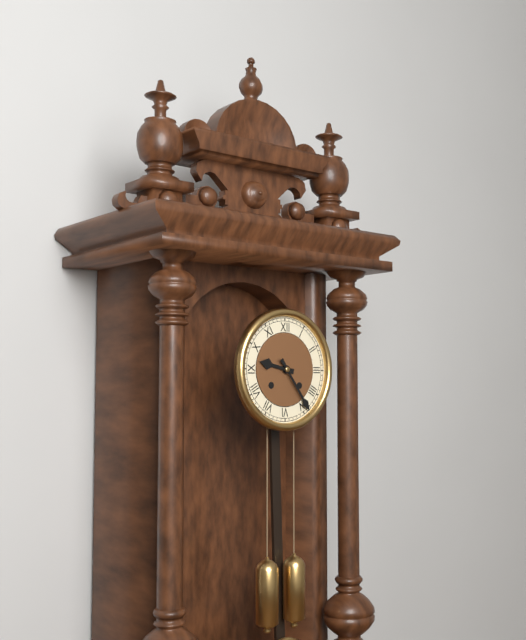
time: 9:24
